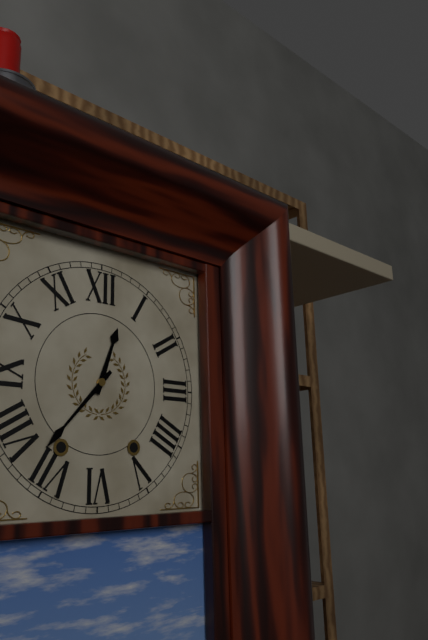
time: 12:37
